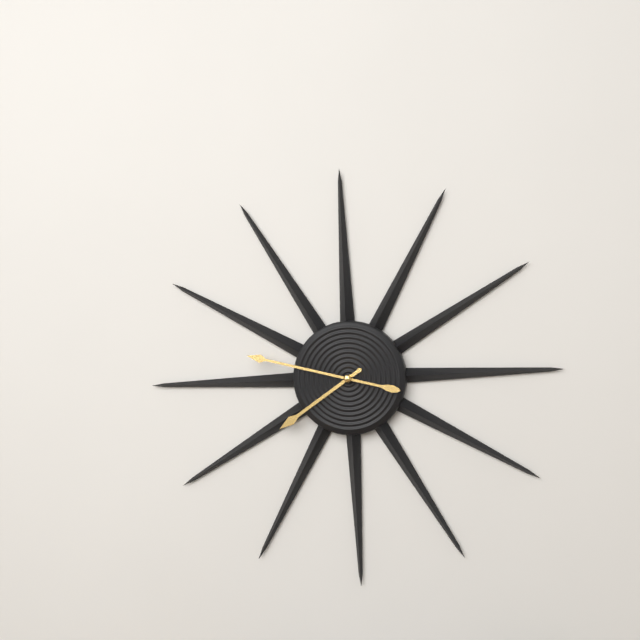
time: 7:47
